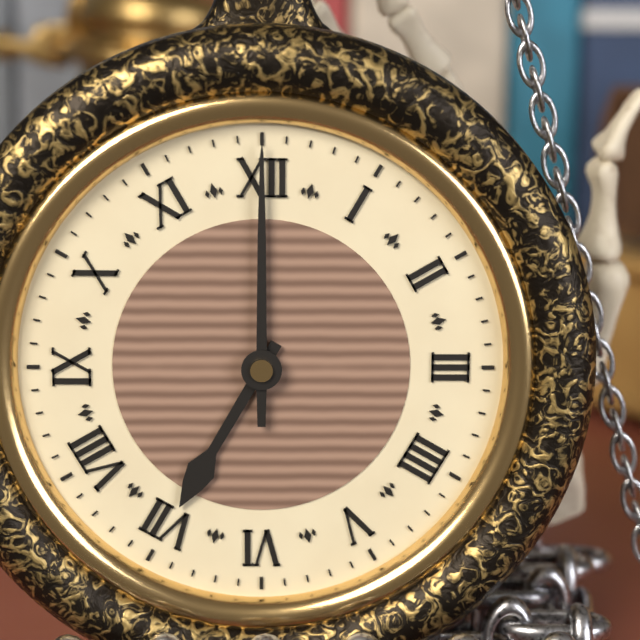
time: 7:00
